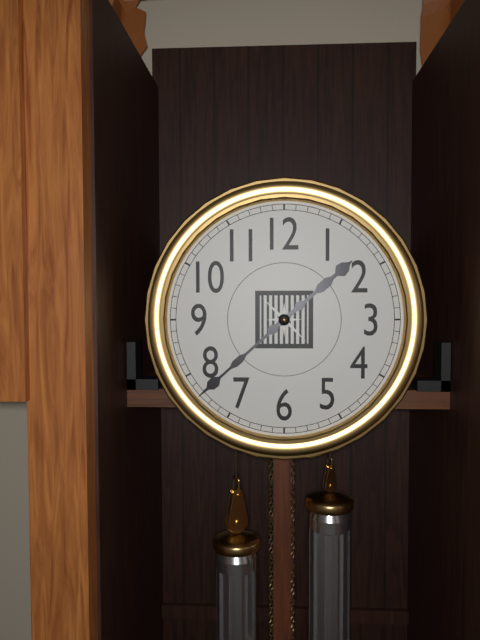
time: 1:38
